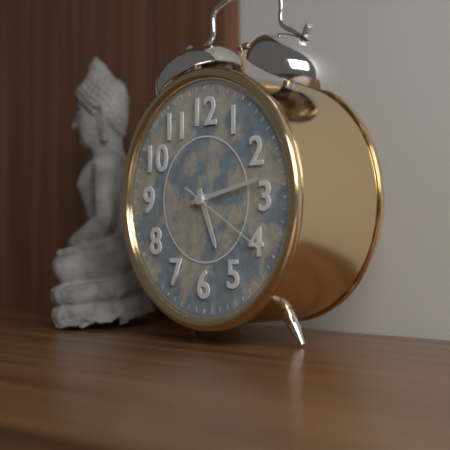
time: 5:13:20
